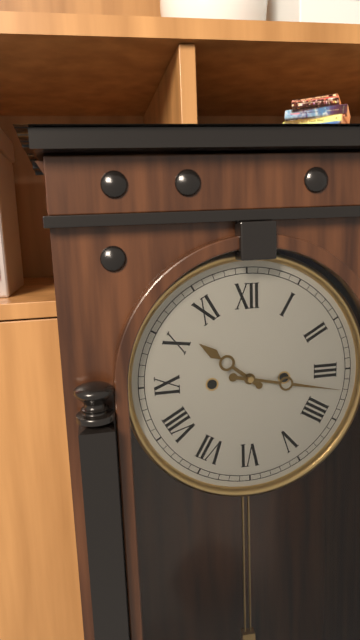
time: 10:17
